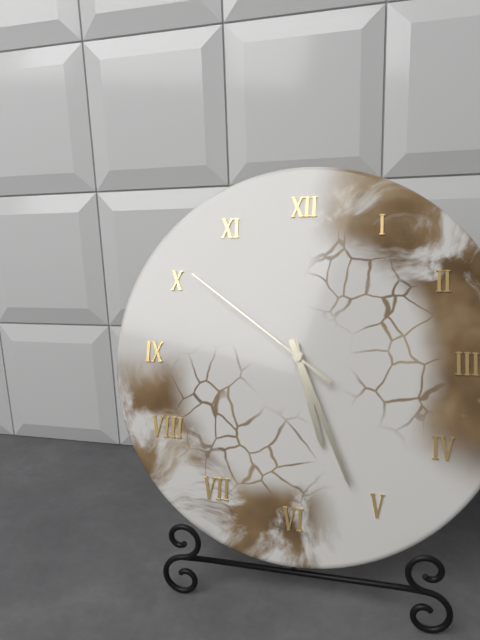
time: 5:26:51
